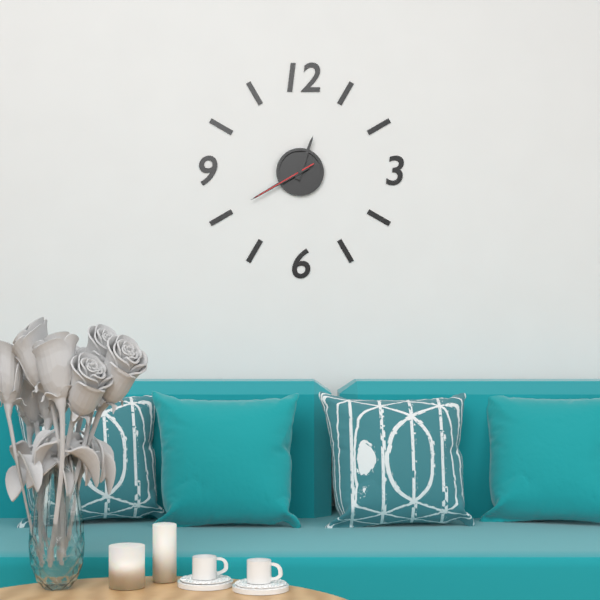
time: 12:40:40
